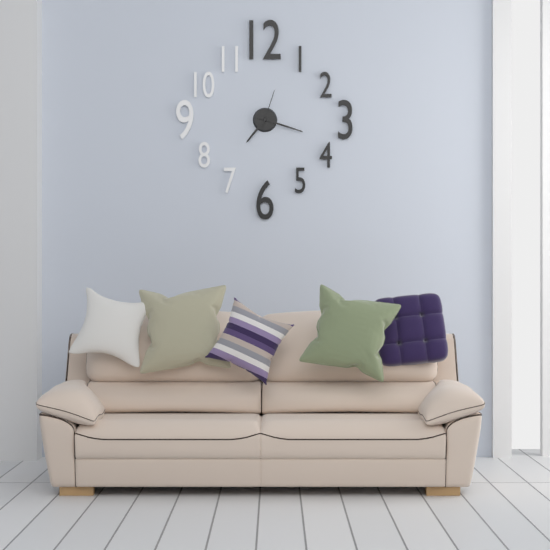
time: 7:18
